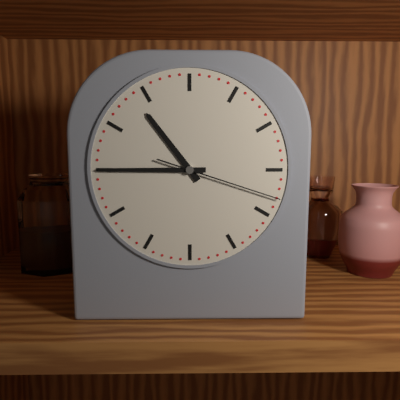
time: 10:45:18
